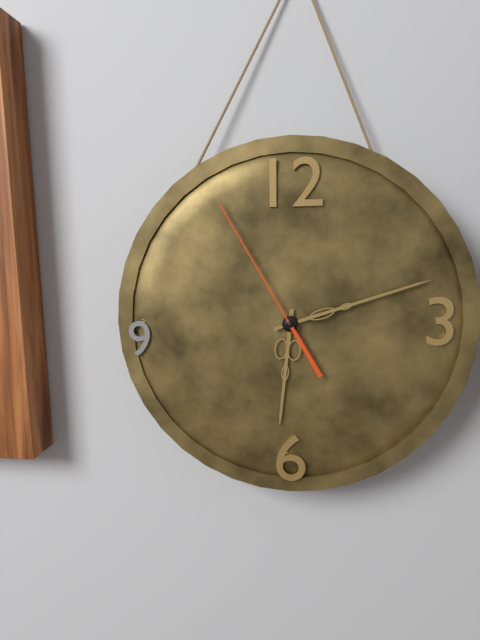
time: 6:12:55
